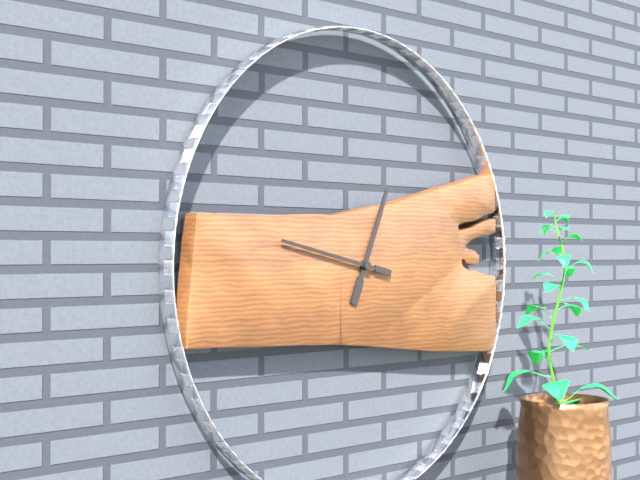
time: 12:47
